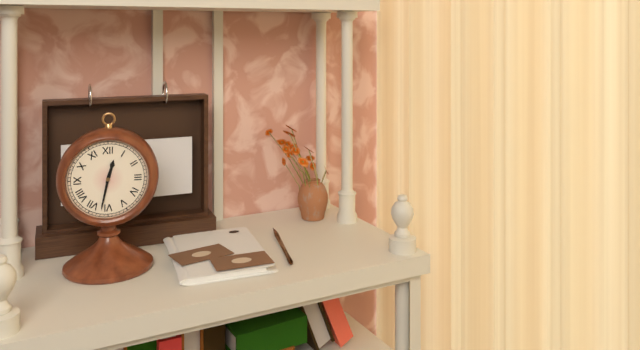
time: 12:32
